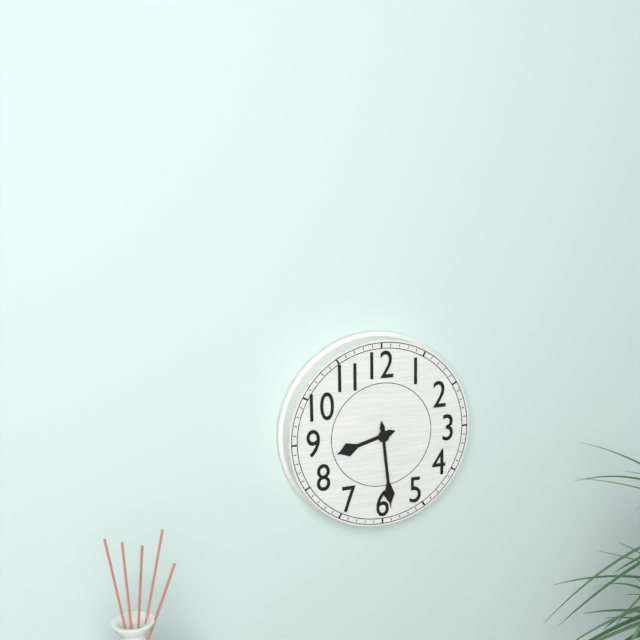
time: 8:29
